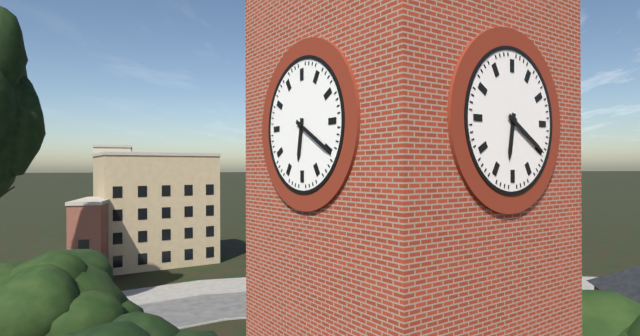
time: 6:20
